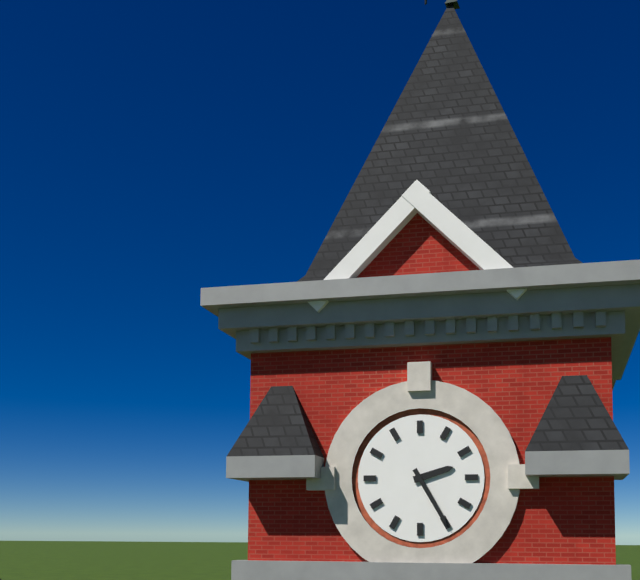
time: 2:25
